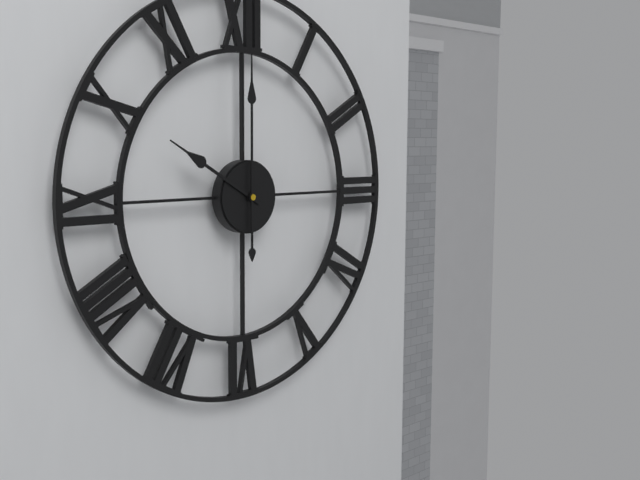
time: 10:00
